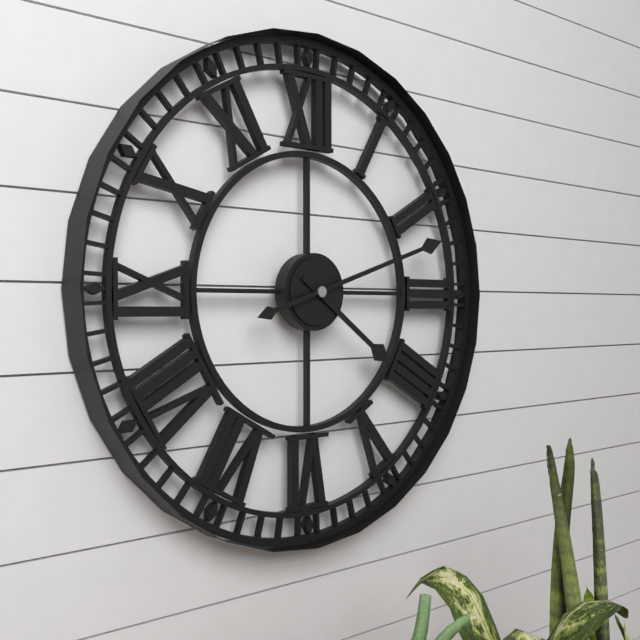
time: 4:12
